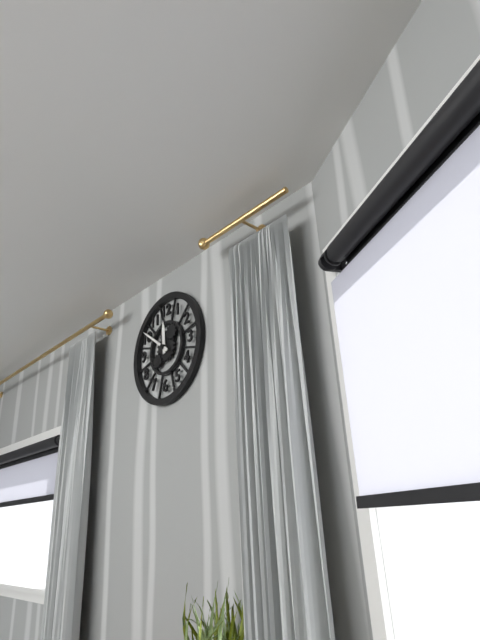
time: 11:51
